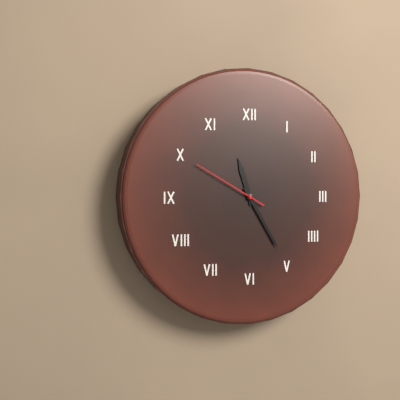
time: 11:25:50
